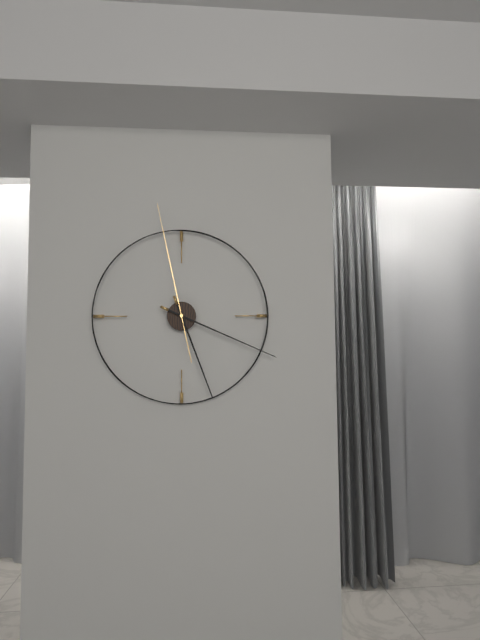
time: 5:19:58
